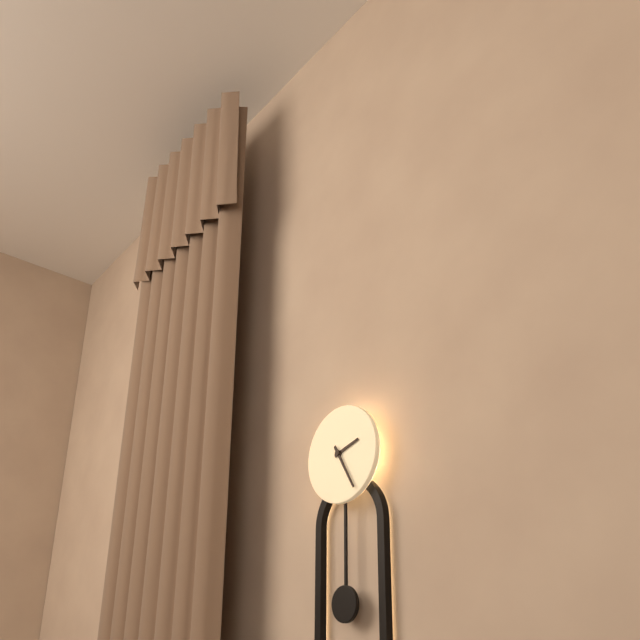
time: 2:25
